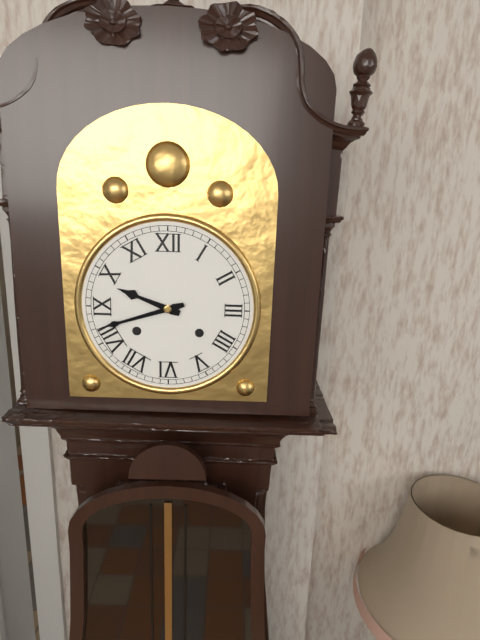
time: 9:42
